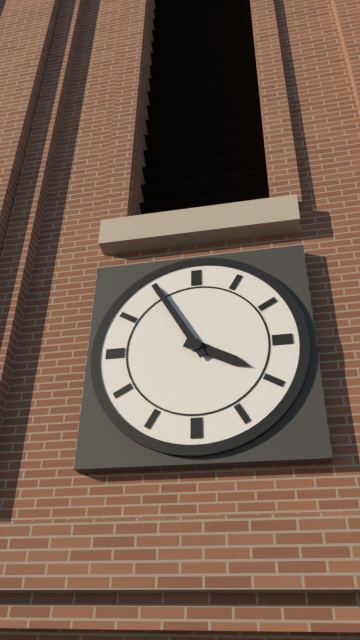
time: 3:55
